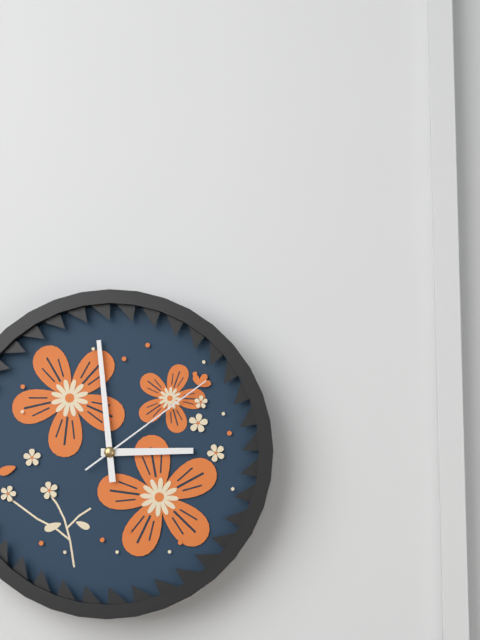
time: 2:59:09
